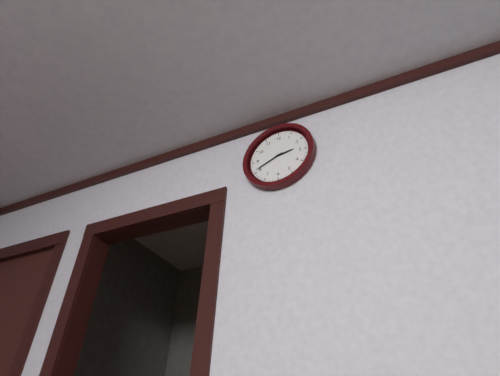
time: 2:41
